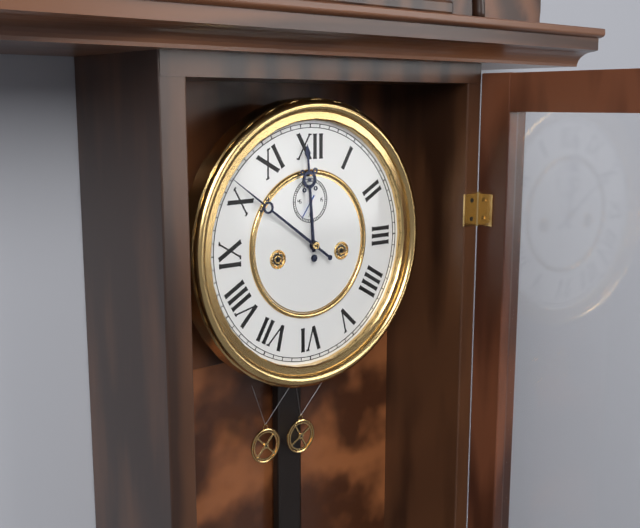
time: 11:51
